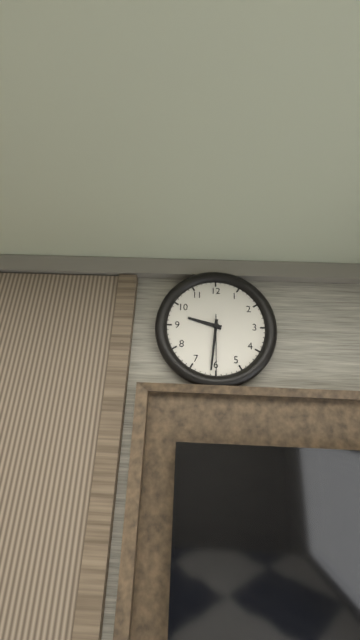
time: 9:31:30
